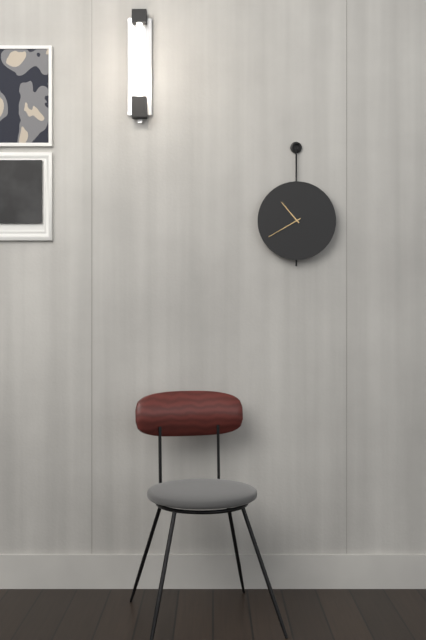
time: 10:40
